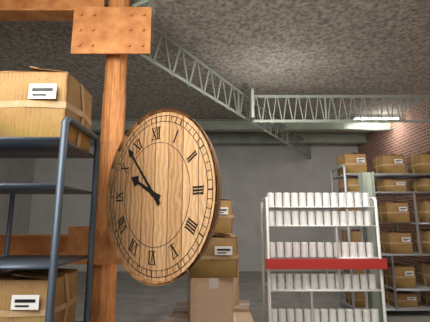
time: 9:53
